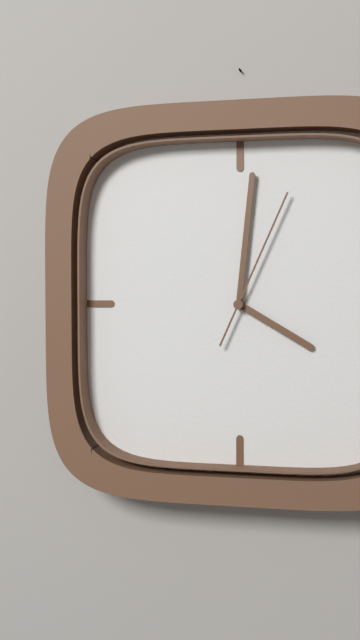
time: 4:01:04
